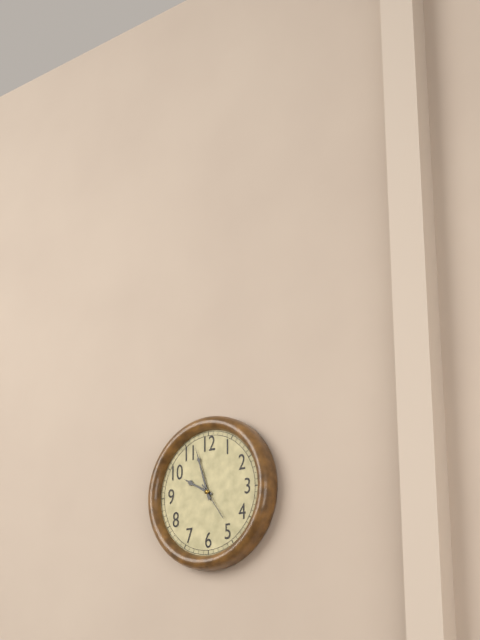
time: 9:57
